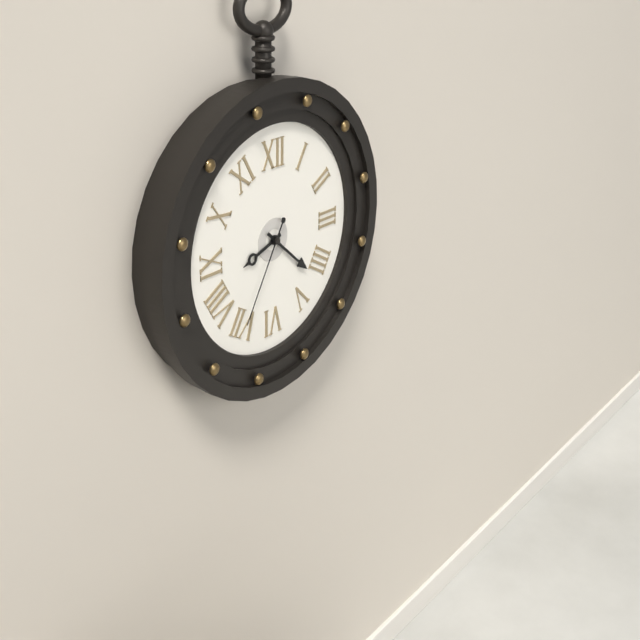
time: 8:22:35
